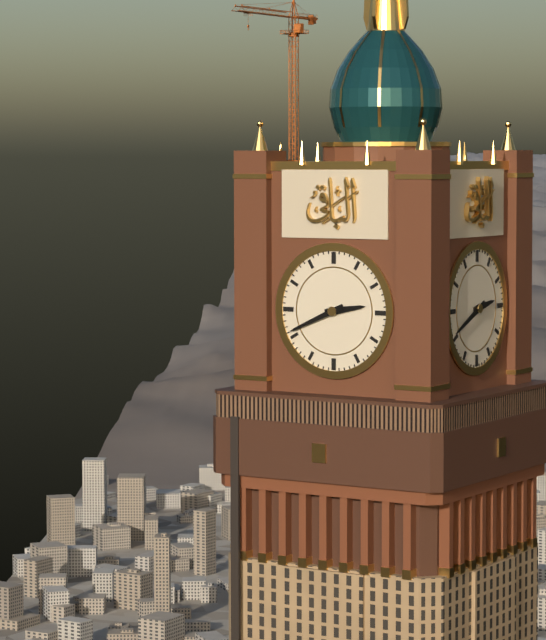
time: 2:41
